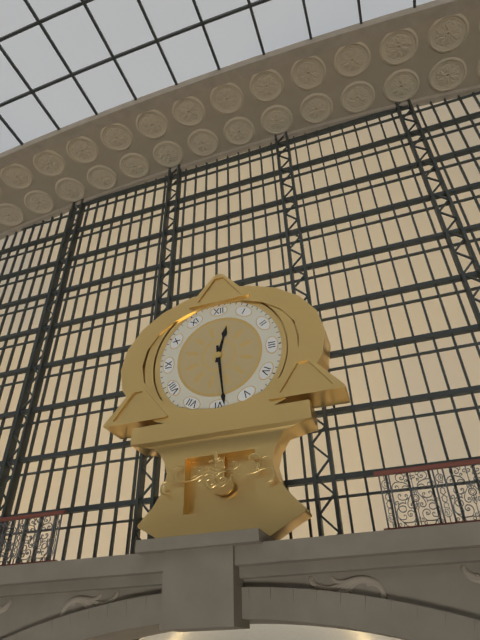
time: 12:29
